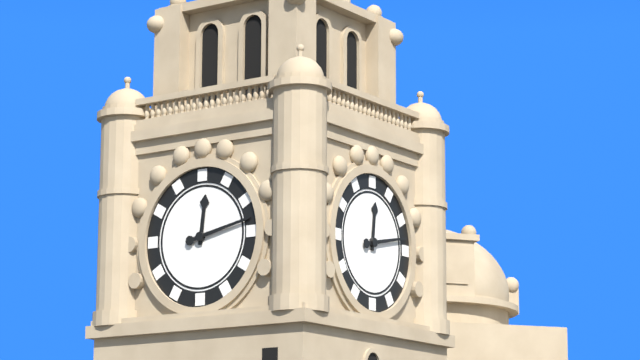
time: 12:13
